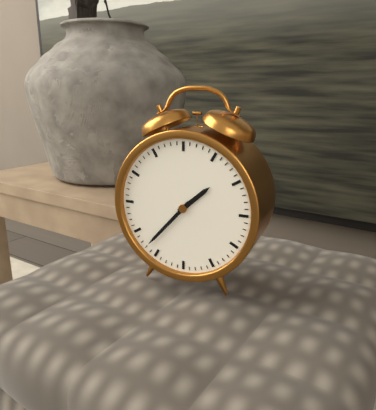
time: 1:37
